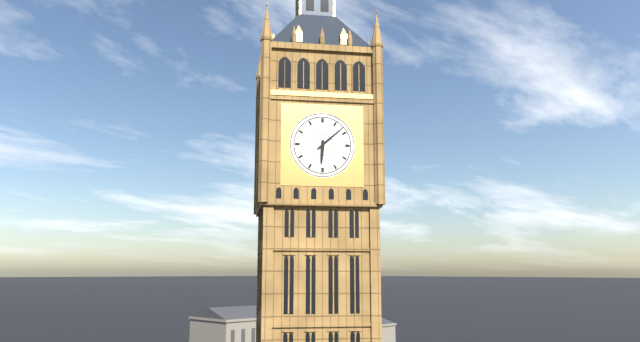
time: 6:08
